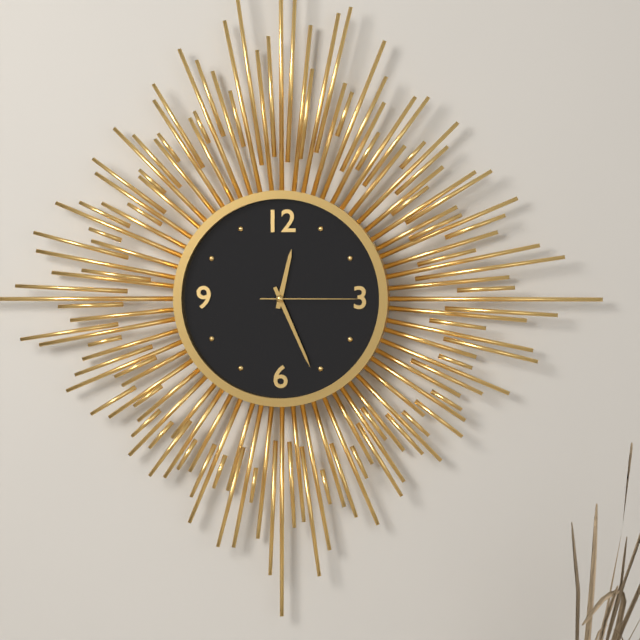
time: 12:26:15
